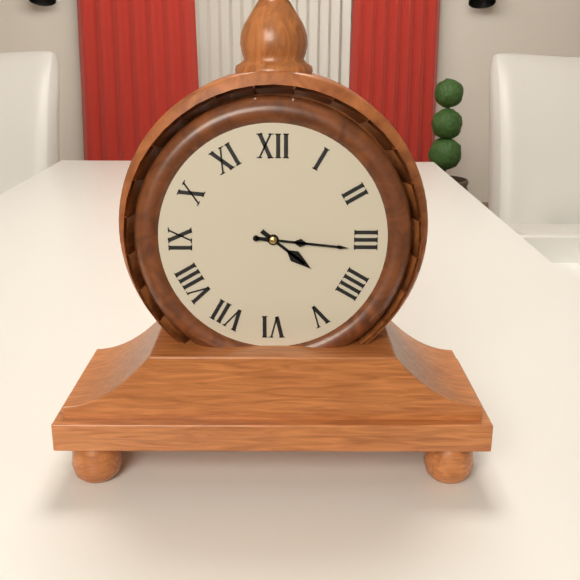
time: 4:16
